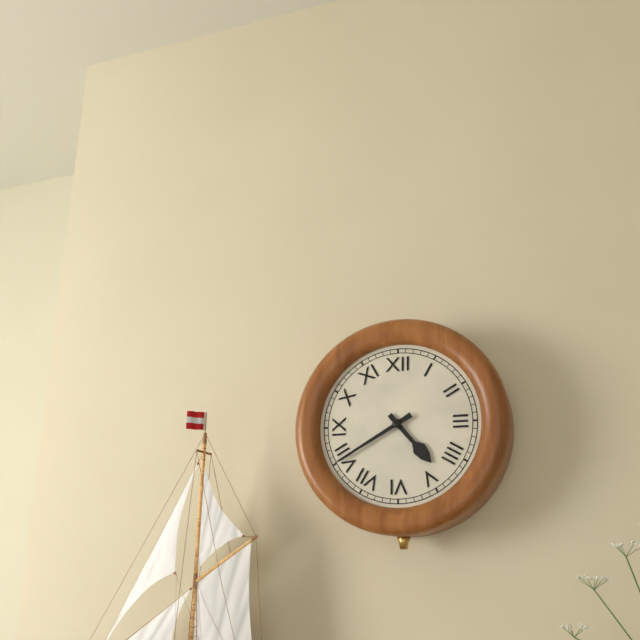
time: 4:40
